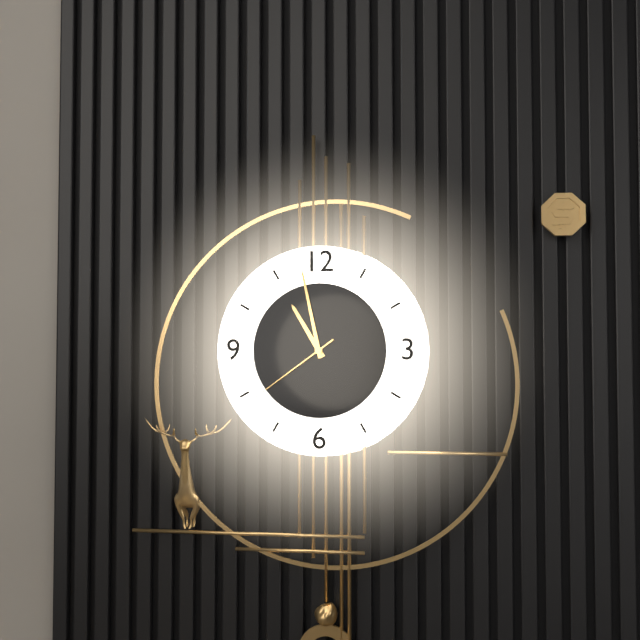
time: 10:58:39
